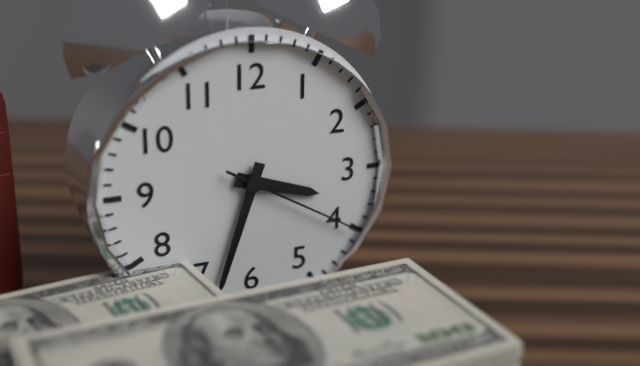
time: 3:33:20
